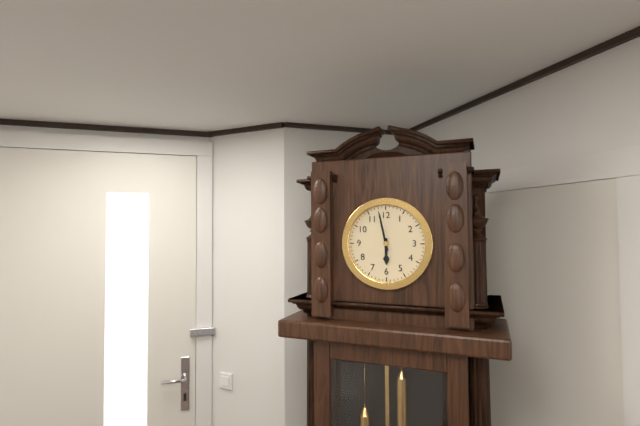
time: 5:58
